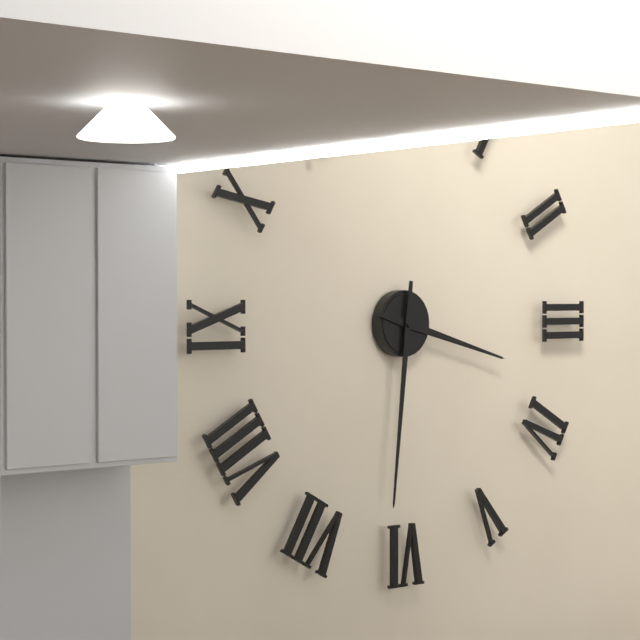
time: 3:31
